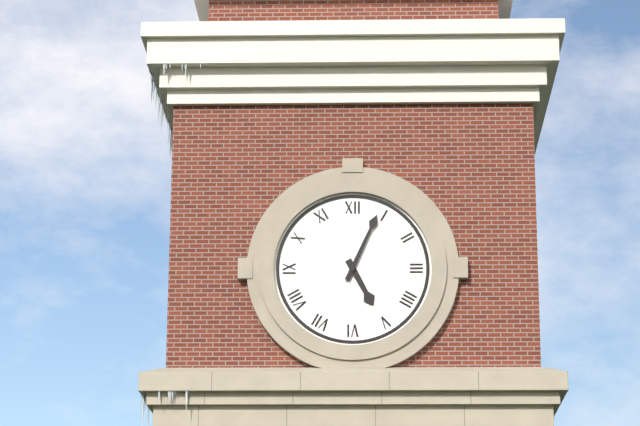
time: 5:04
